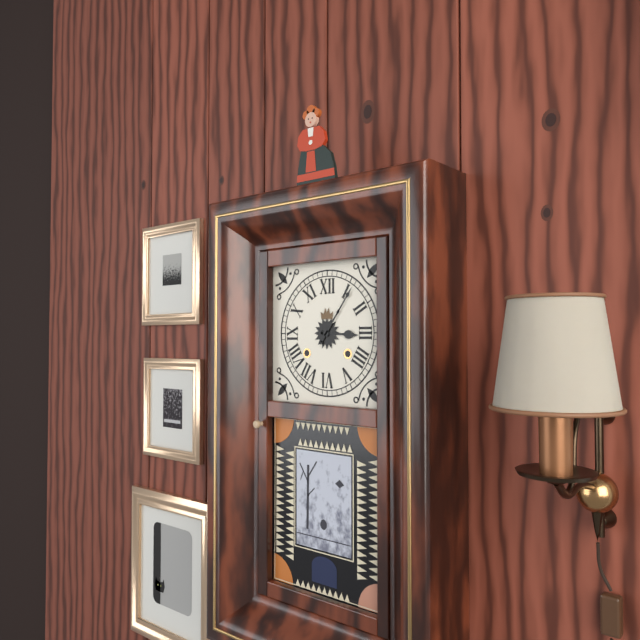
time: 3:06
